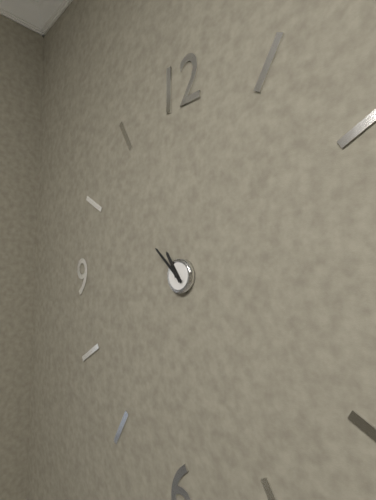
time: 10:52
